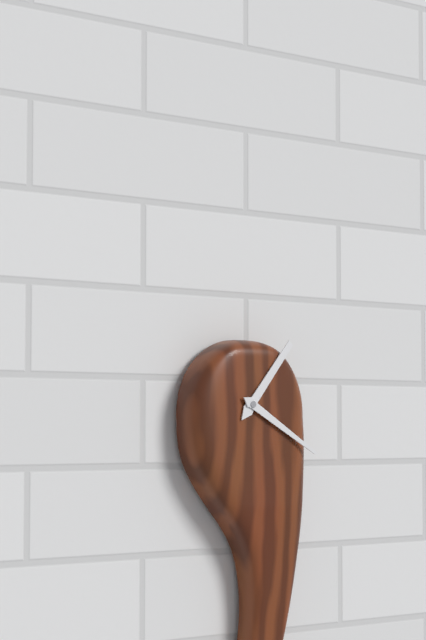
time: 1:20
